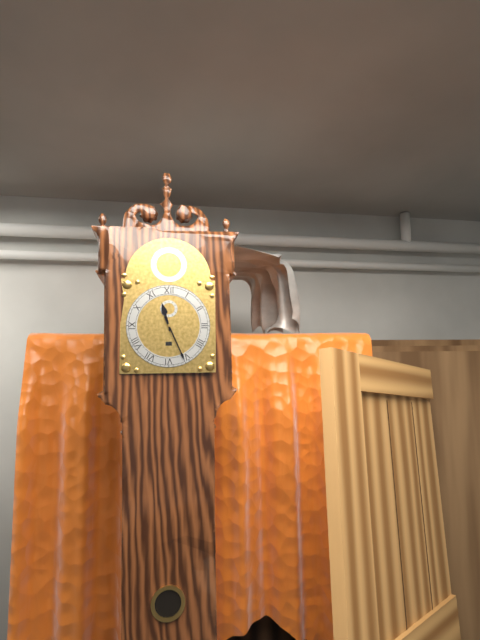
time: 11:26
